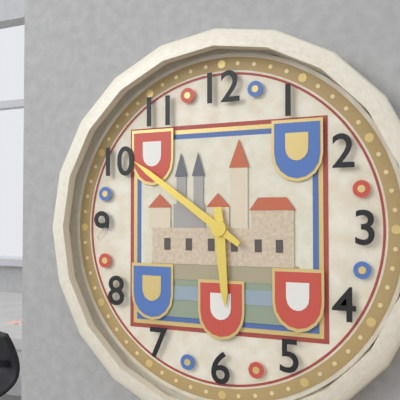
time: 5:51
